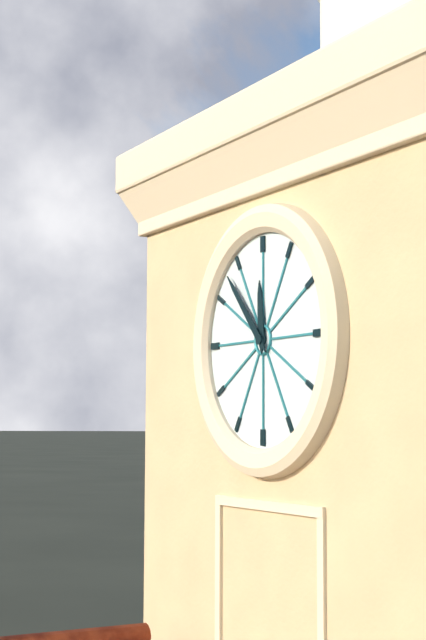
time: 11:53
